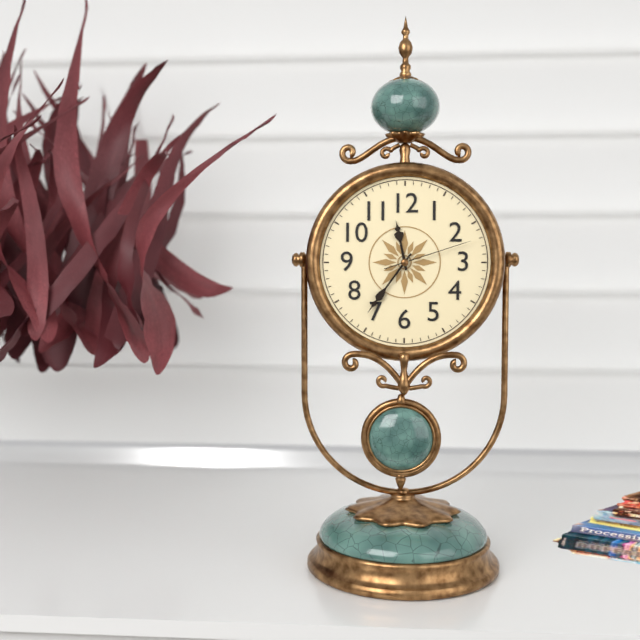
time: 11:36:12
